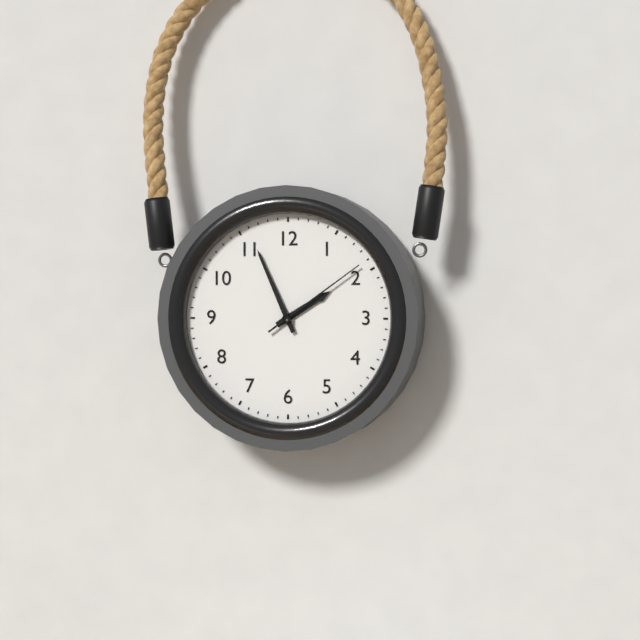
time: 1:56:09
